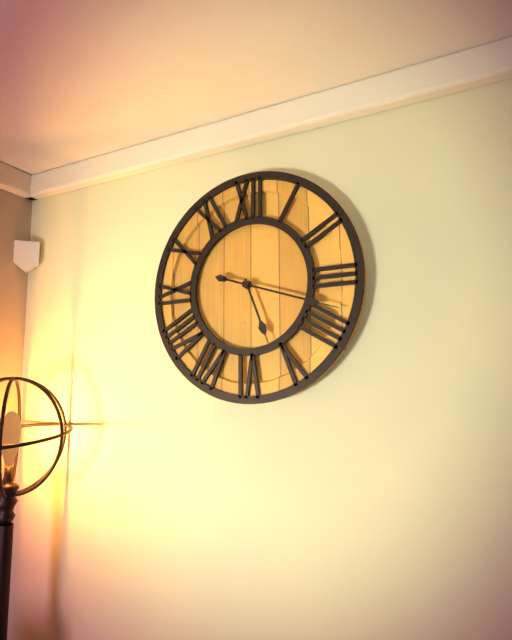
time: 5:18
